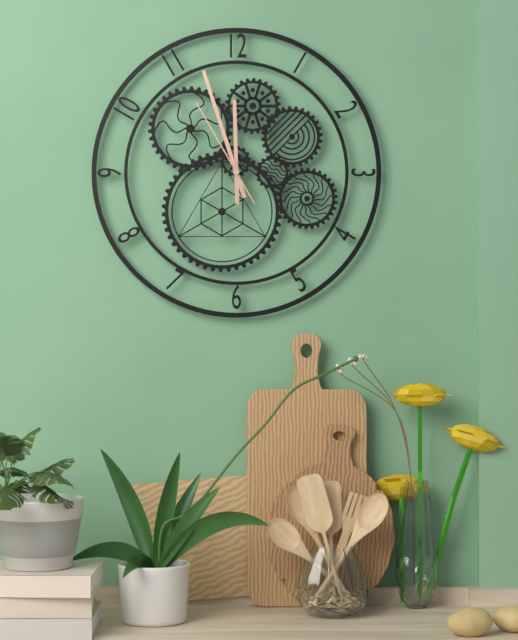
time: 11:57:55
